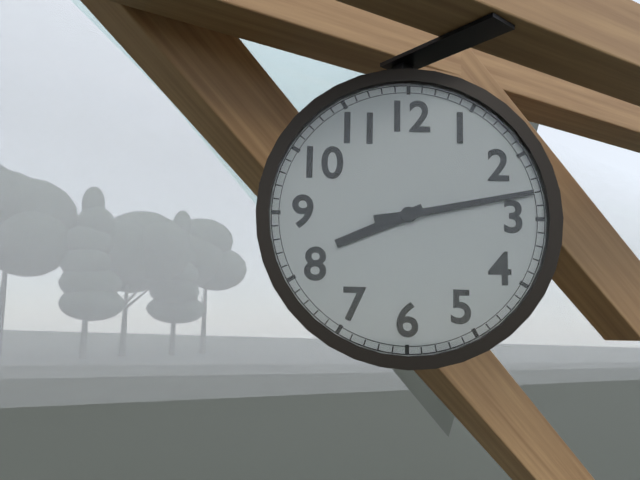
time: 8:13
